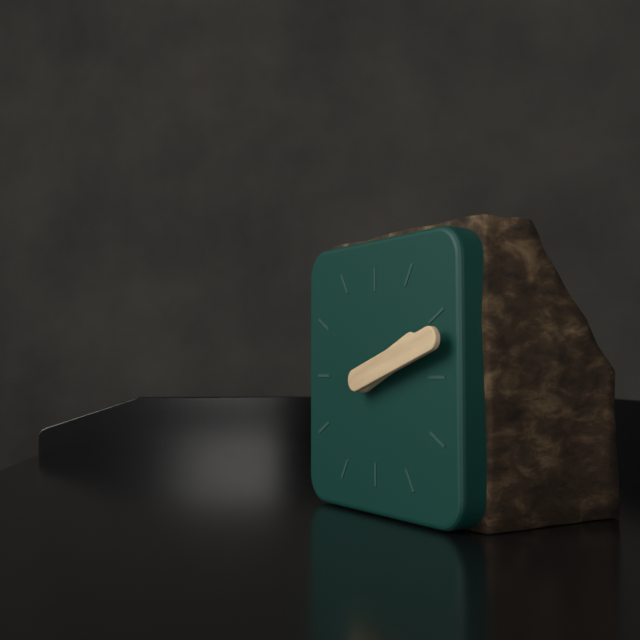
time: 2:12
